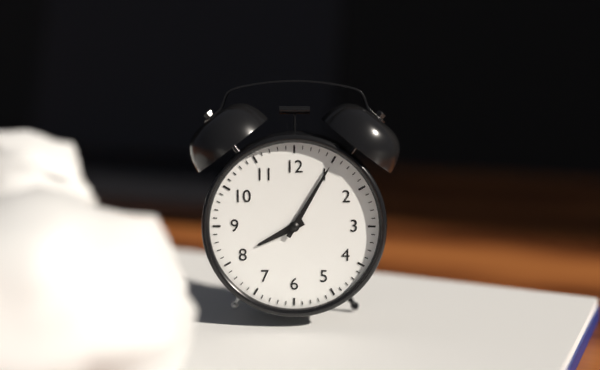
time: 8:05
